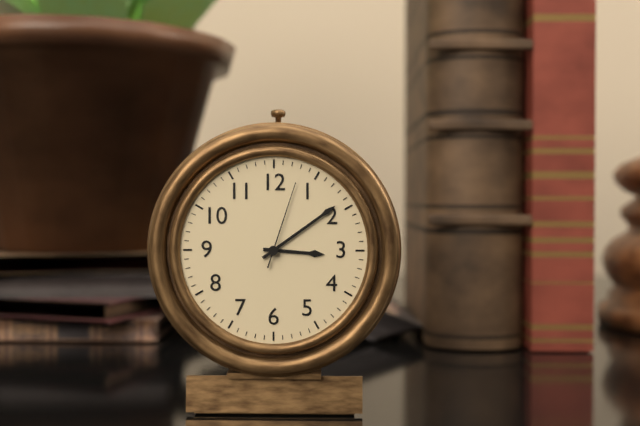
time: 3:09:03
